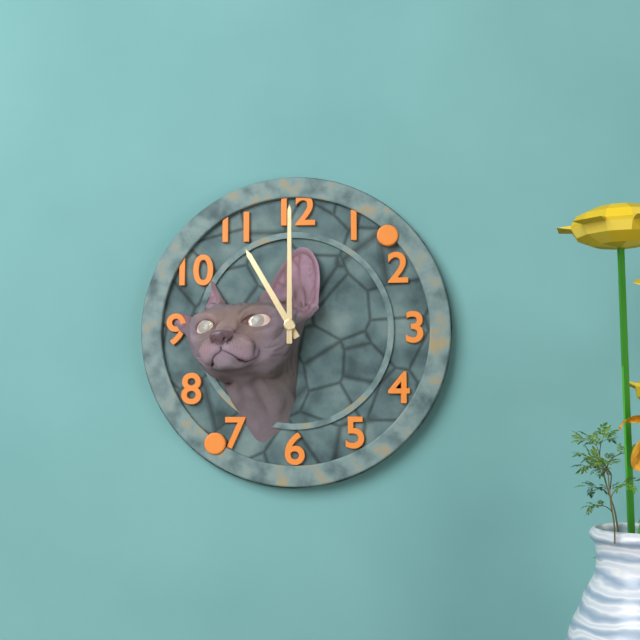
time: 11:00
